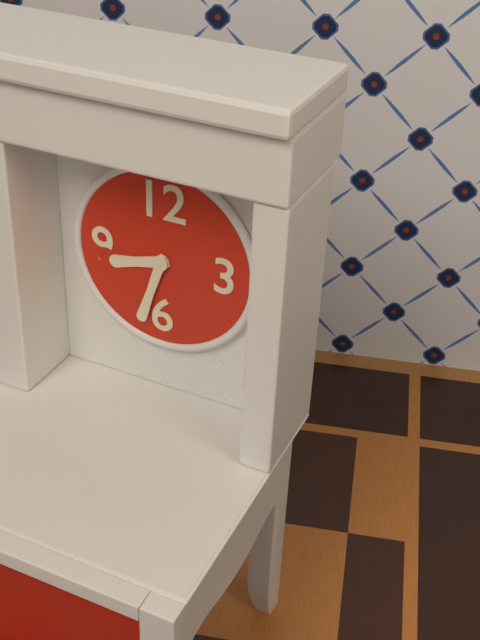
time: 8:33
